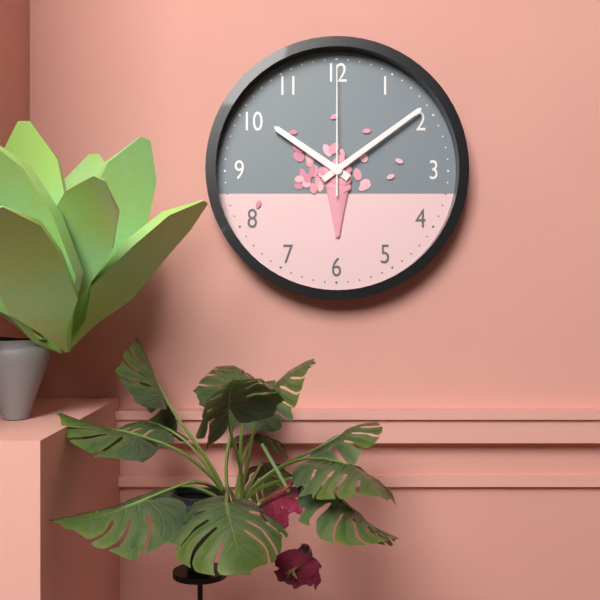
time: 10:09:00
